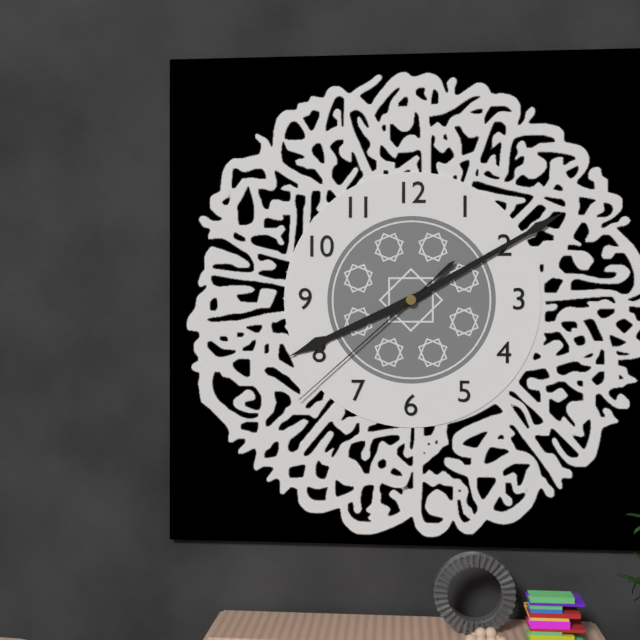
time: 8:10:38
